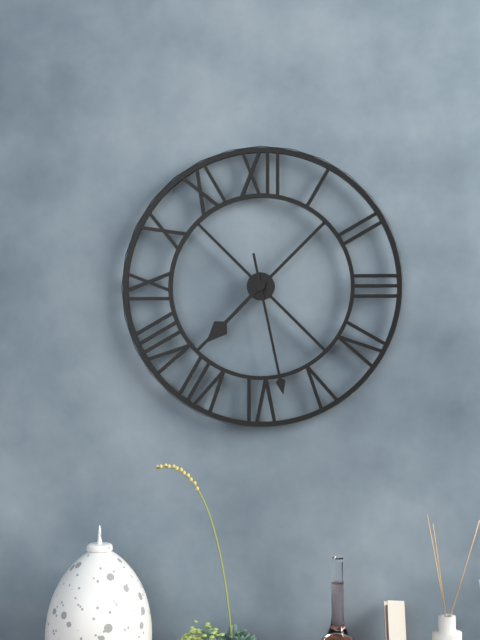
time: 7:28
